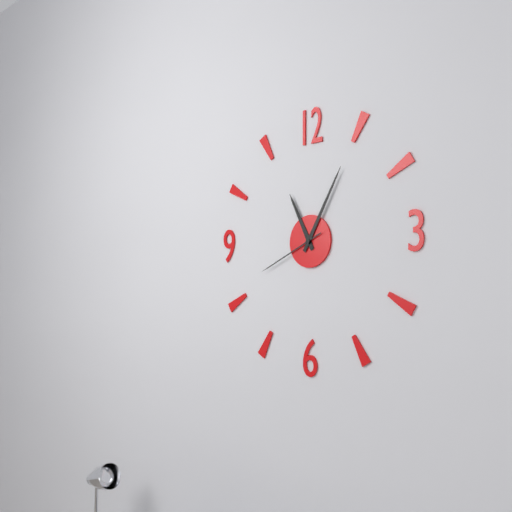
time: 11:05:41
